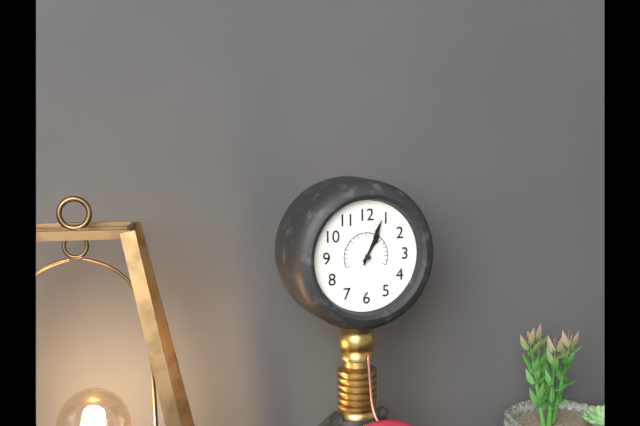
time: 1:04
